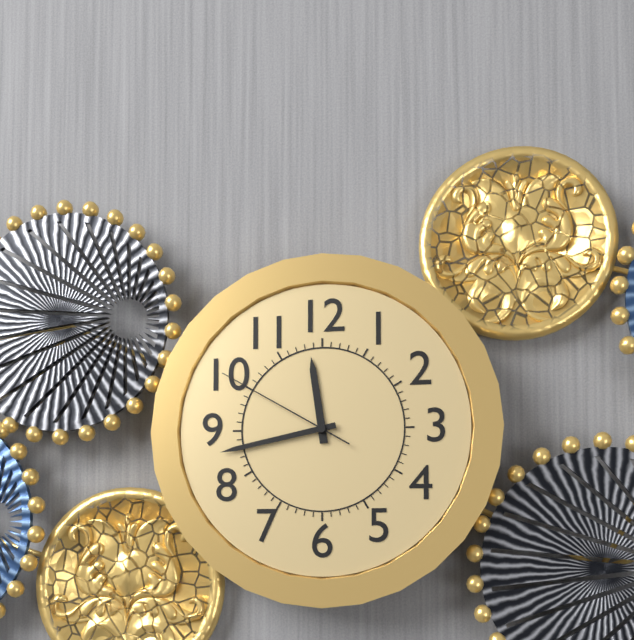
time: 11:43:50
